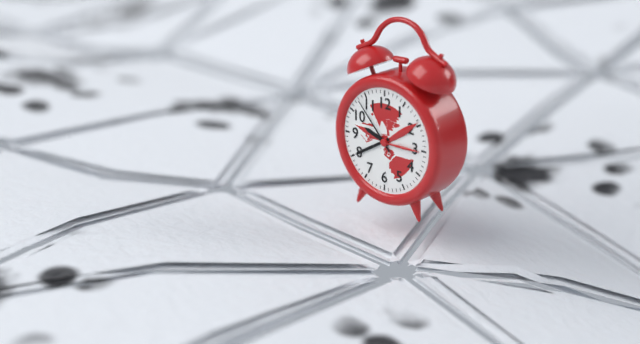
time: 9:40:53
